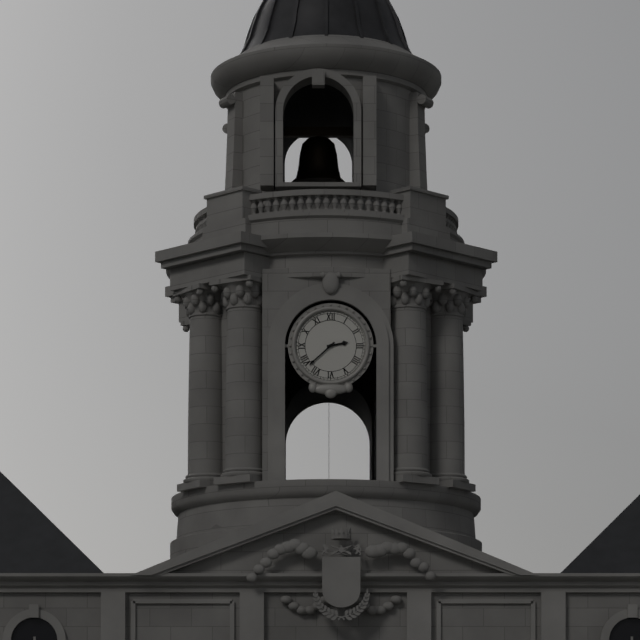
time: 2:38
